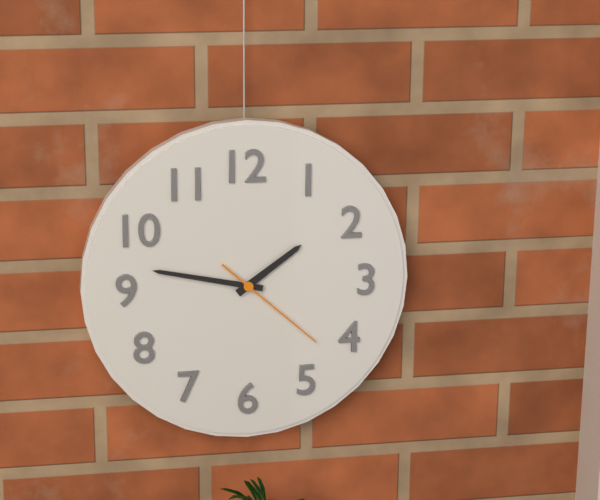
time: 1:47:22
